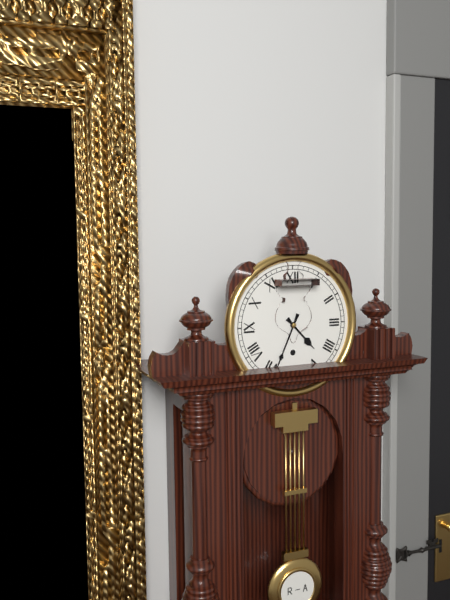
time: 4:34
